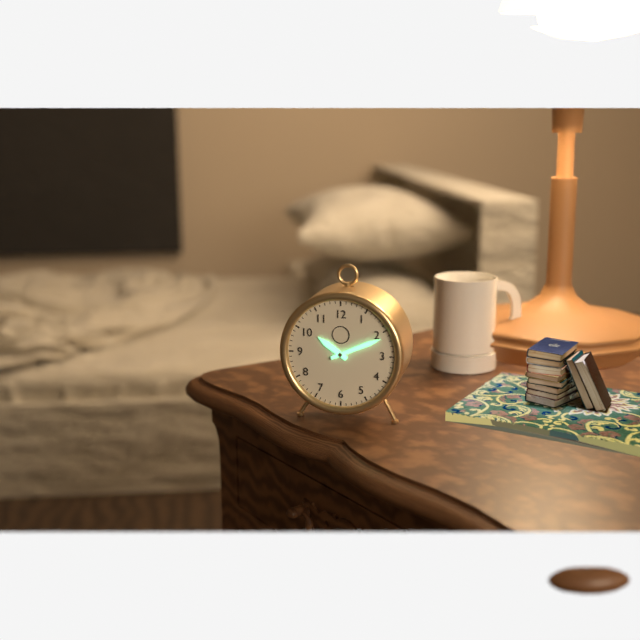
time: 10:11
